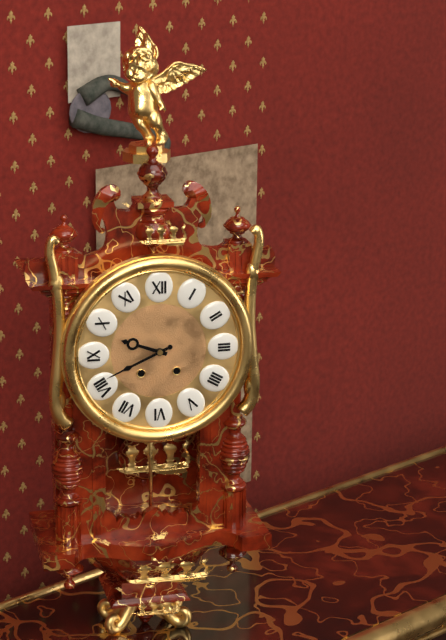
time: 9:41
